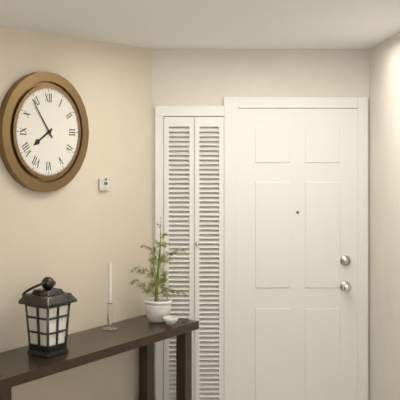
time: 7:54
